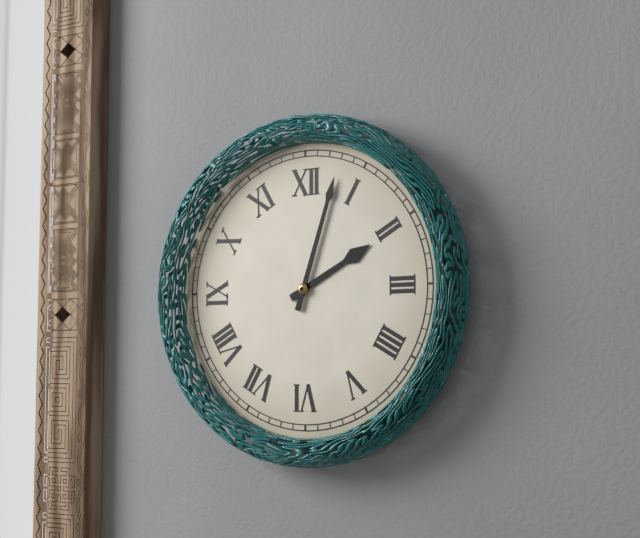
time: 2:03
